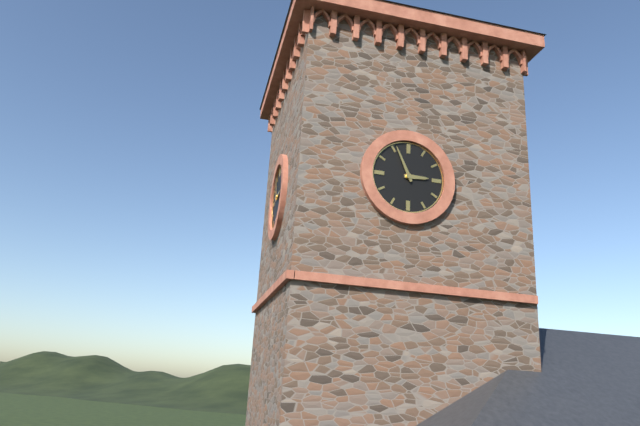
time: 2:56
